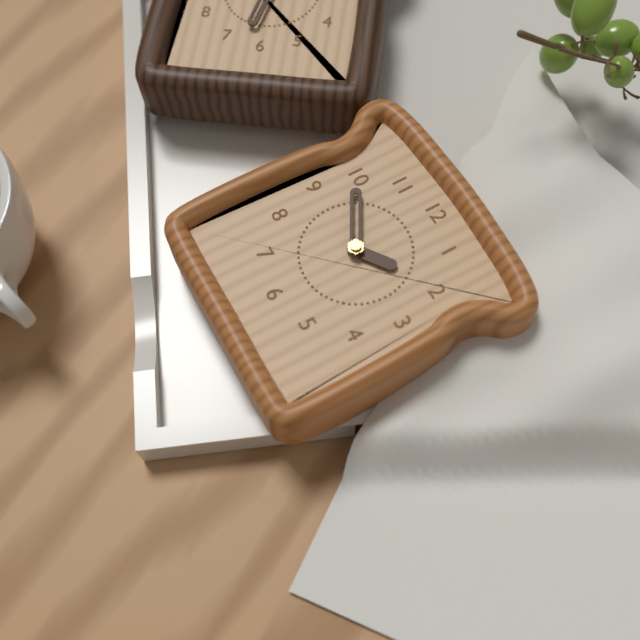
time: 1:50
